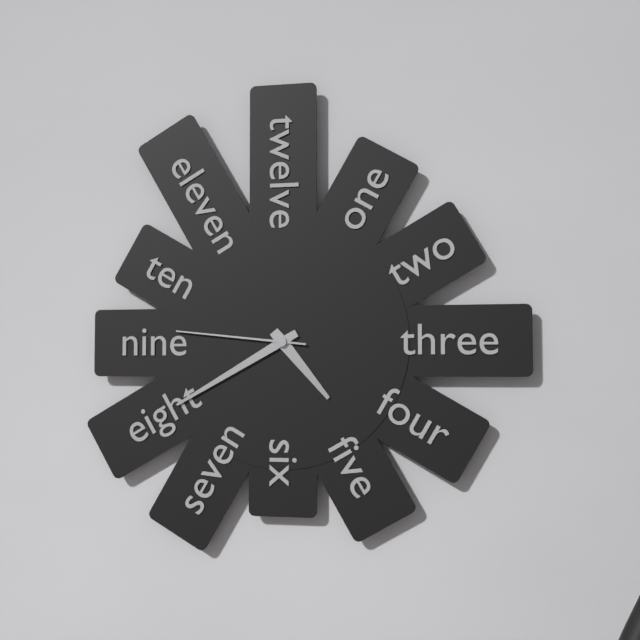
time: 4:40:46
